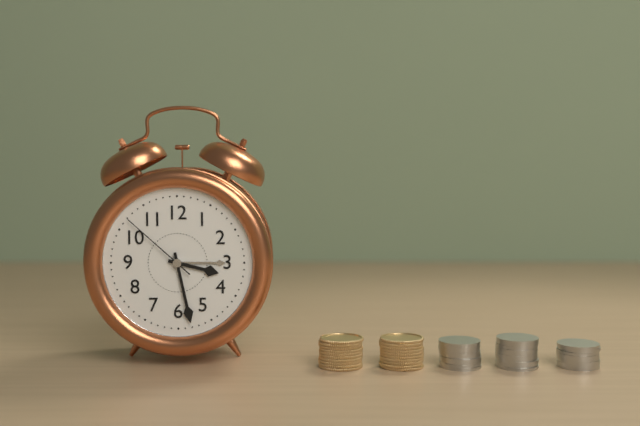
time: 3:28:52
